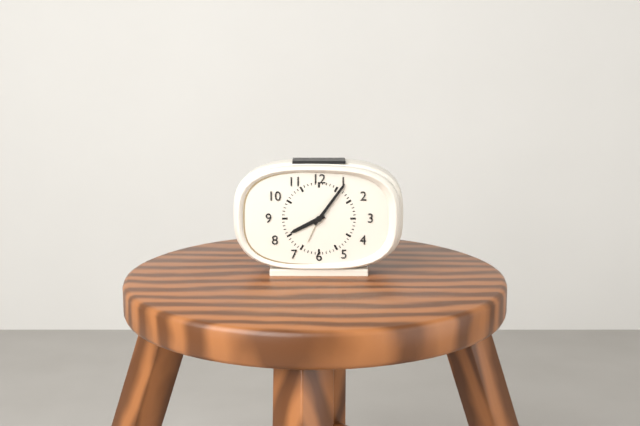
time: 8:06
